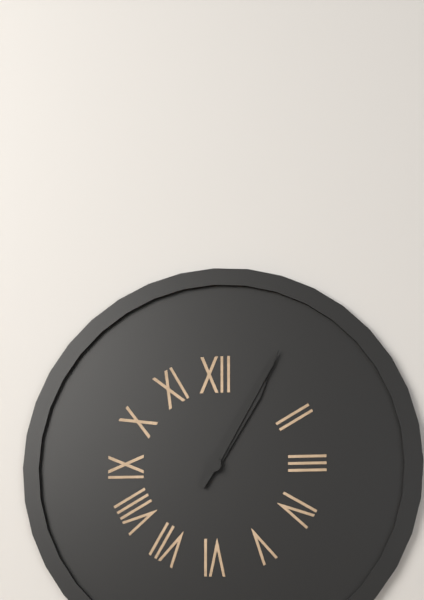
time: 1:05
